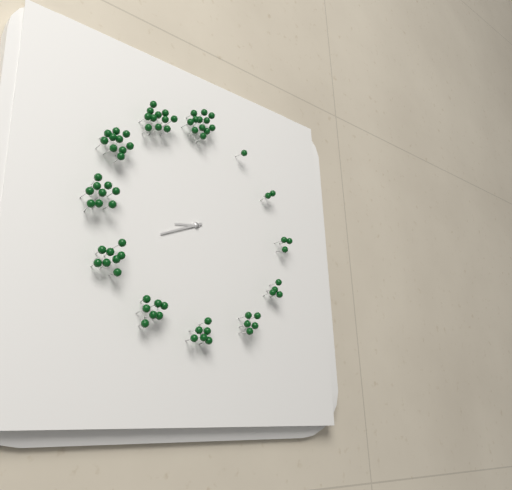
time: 8:41
